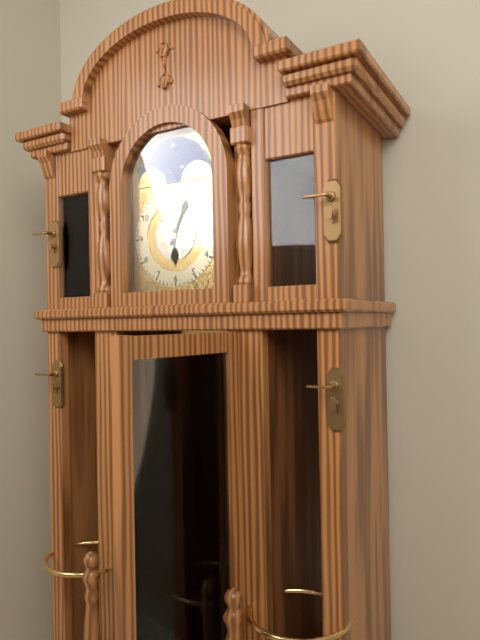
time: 6:04
